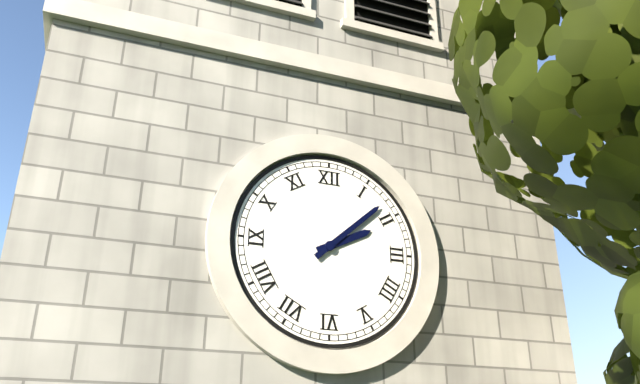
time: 2:08
